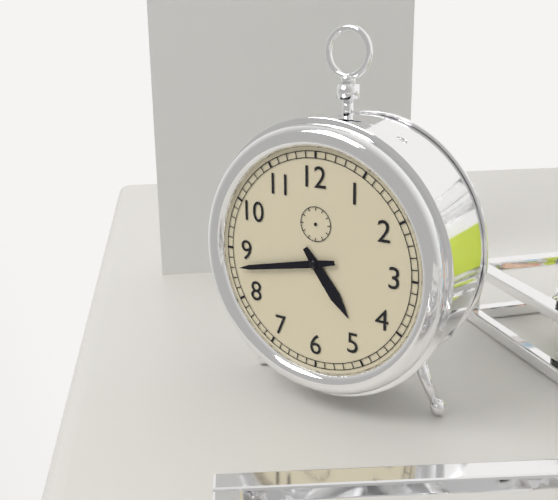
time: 4:43
